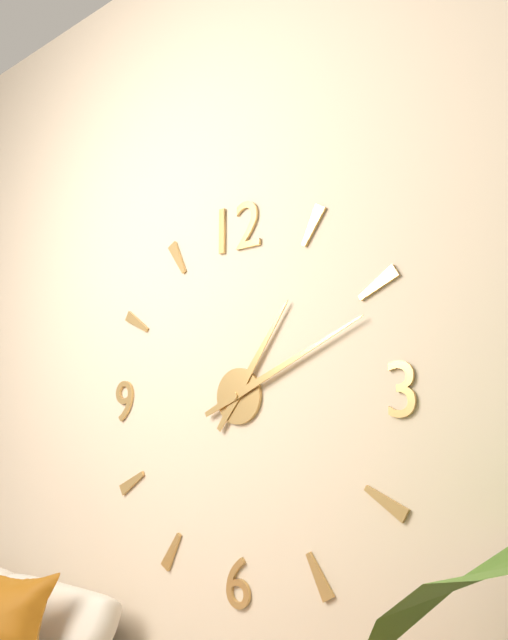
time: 1:11
